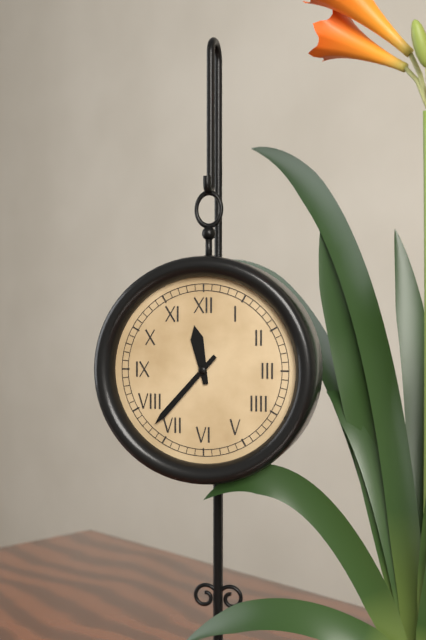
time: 11:37
